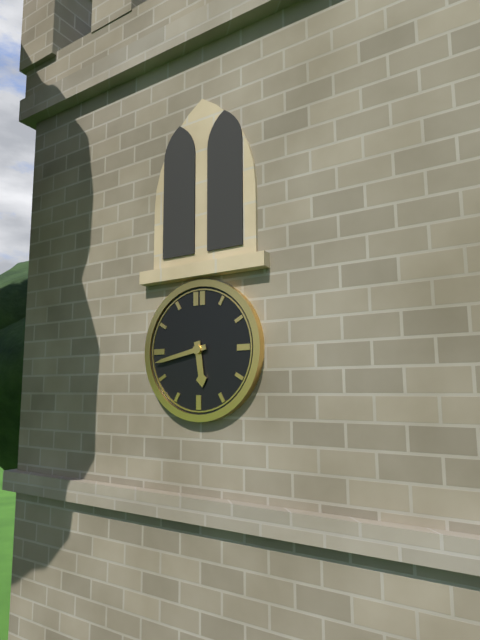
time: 5:43
